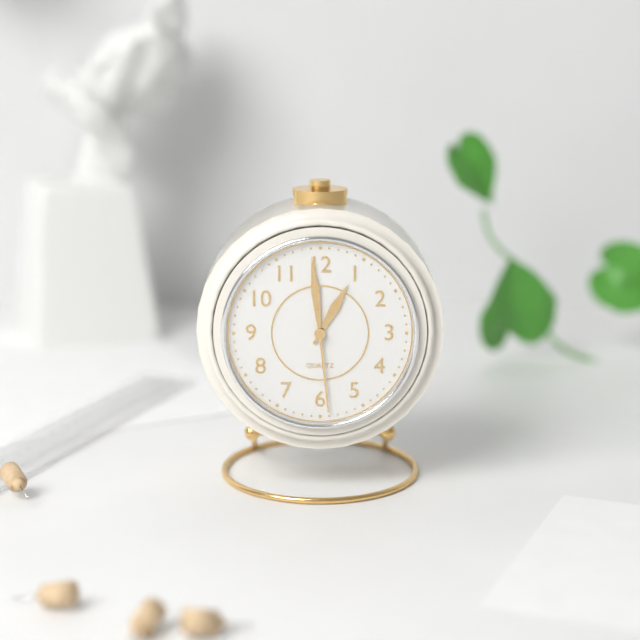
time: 12:59:29
